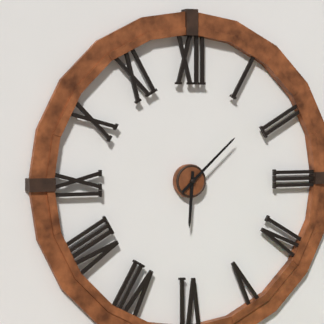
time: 6:08
